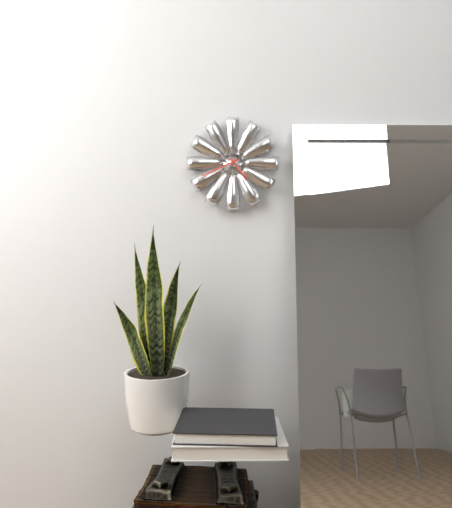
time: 4:41
